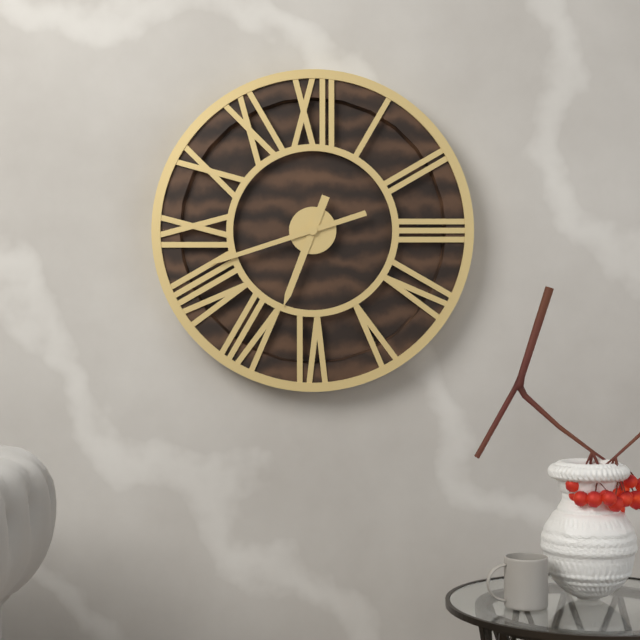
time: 6:42
